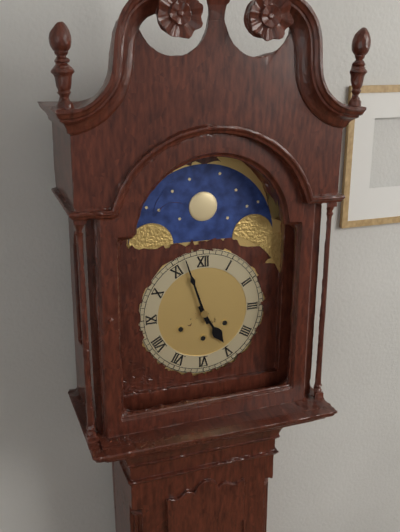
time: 4:57
